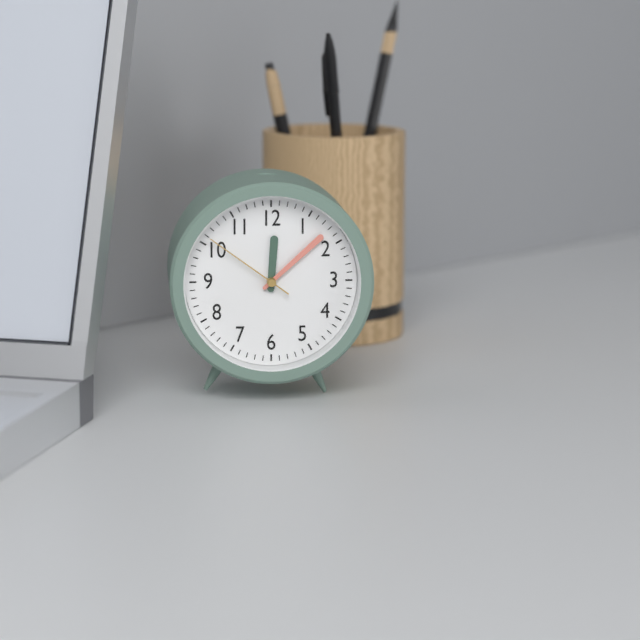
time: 12:08:51
